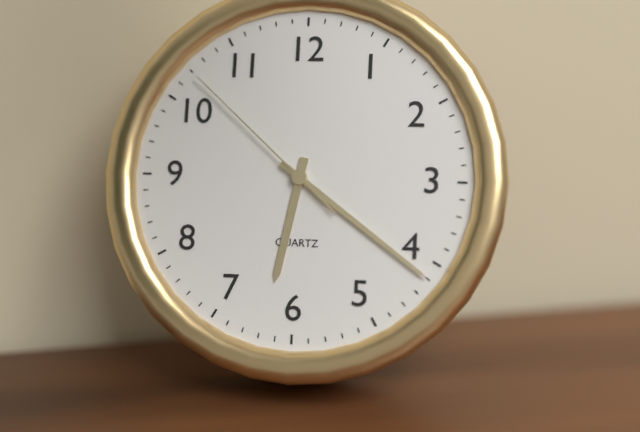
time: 6:21:52
